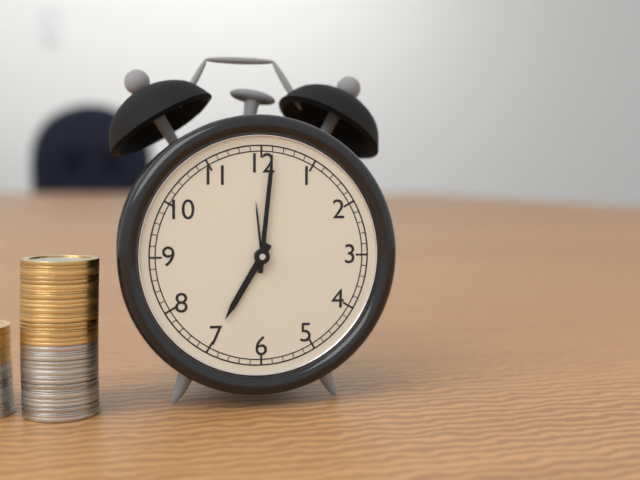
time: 7:01
